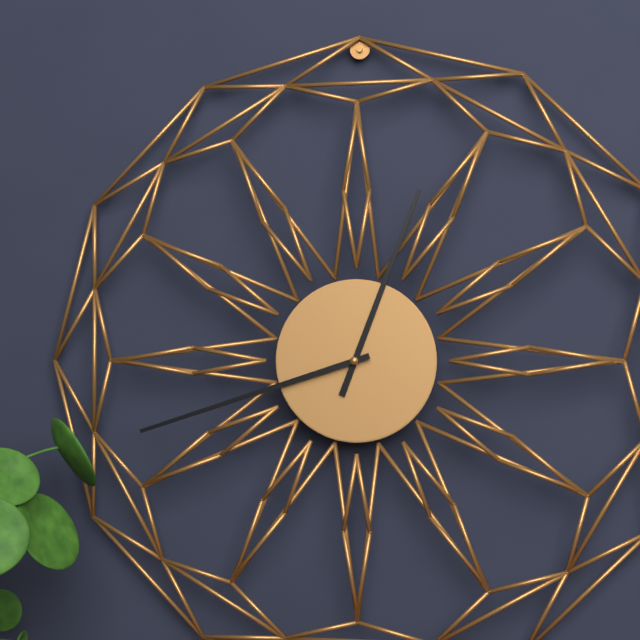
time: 12:42
